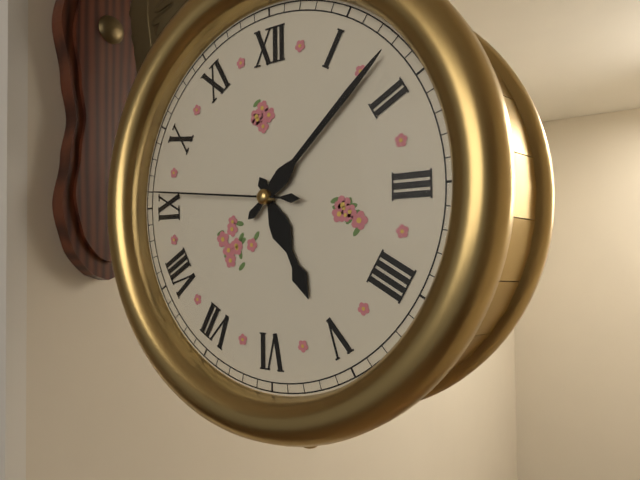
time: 5:08:46
